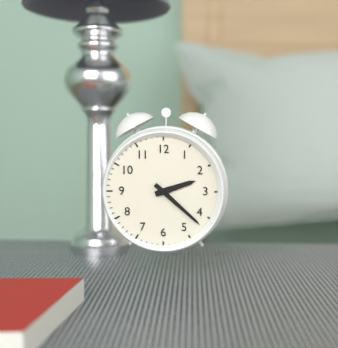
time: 2:22
